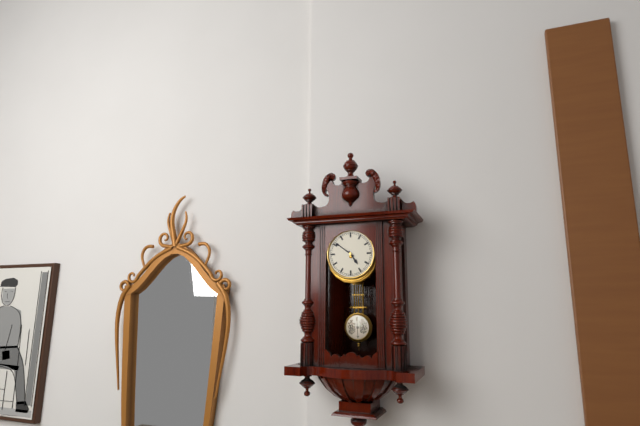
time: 4:51
